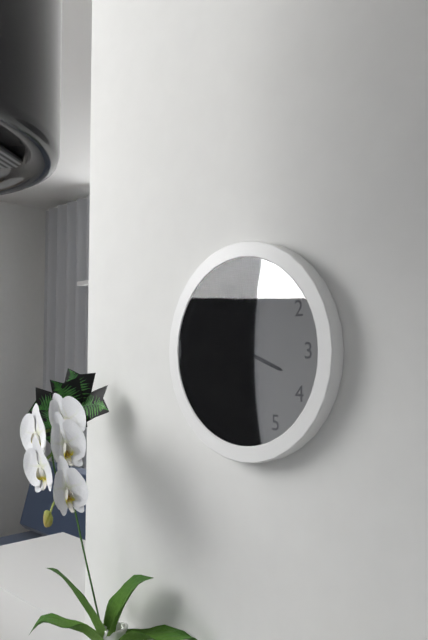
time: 3:42
